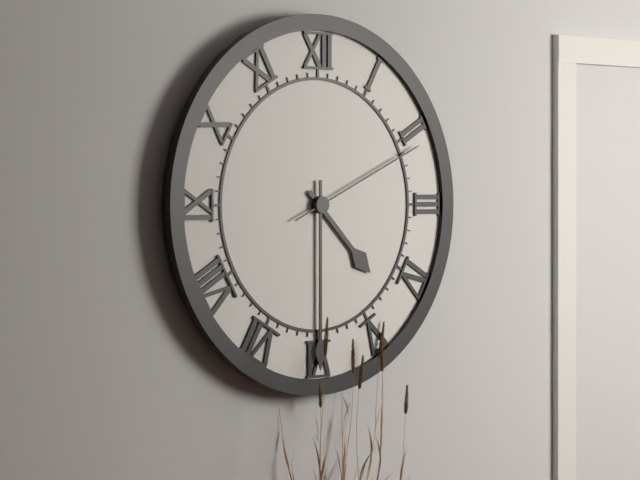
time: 4:30:11
